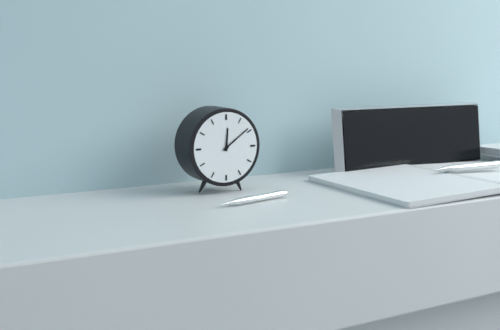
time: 12:09
